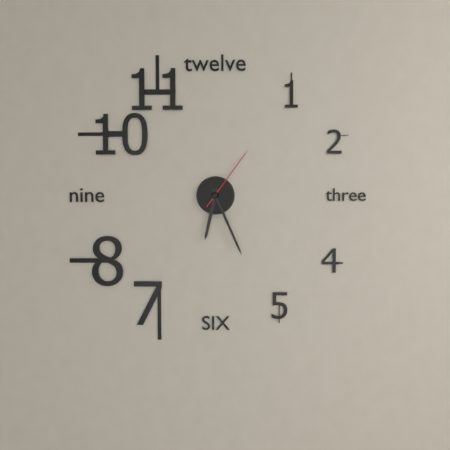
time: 6:26:06
